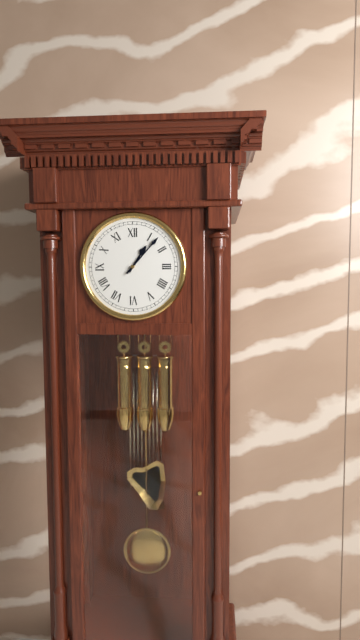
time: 1:07
